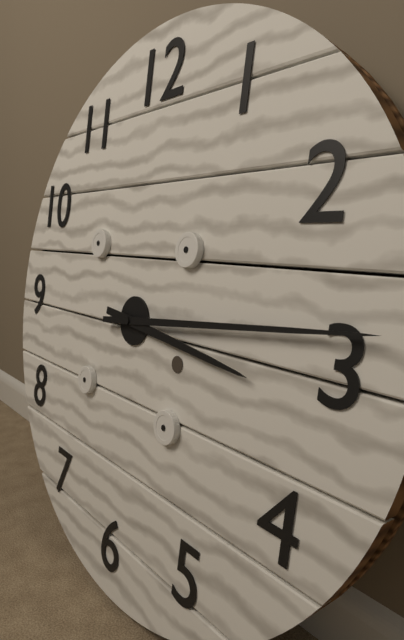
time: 3:14
